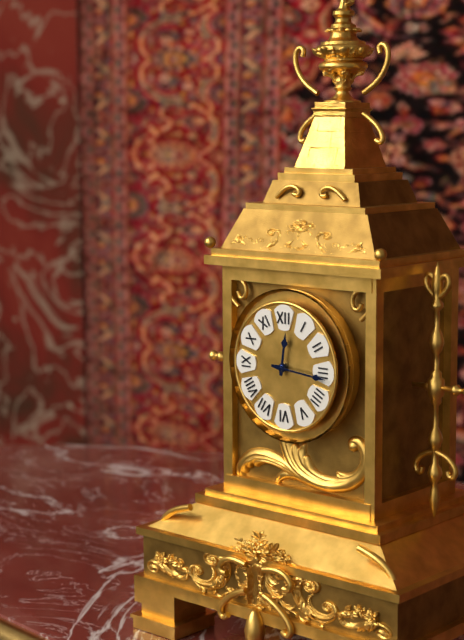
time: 12:16
